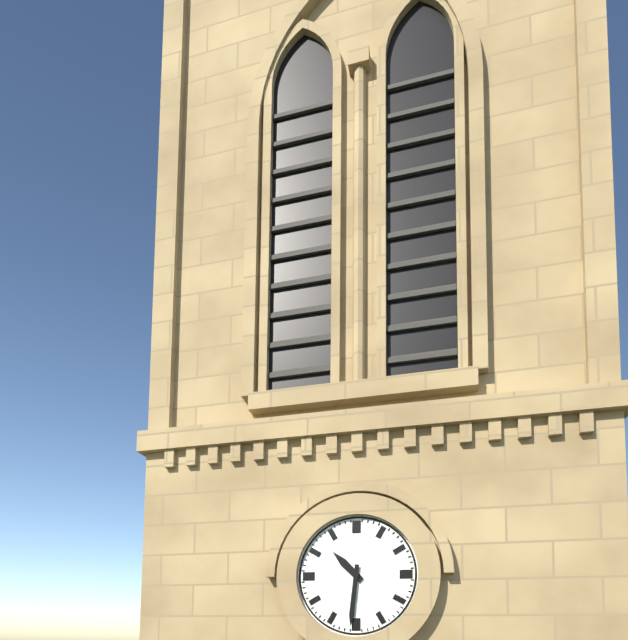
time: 10:31
